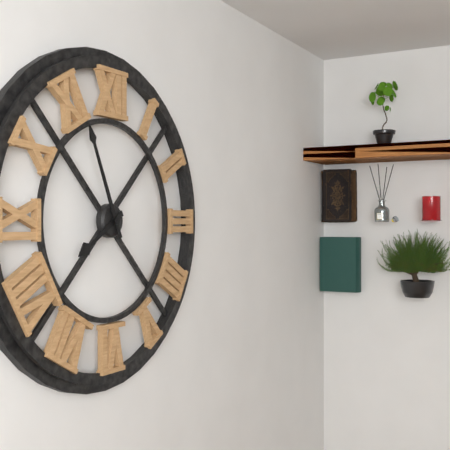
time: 7:56
